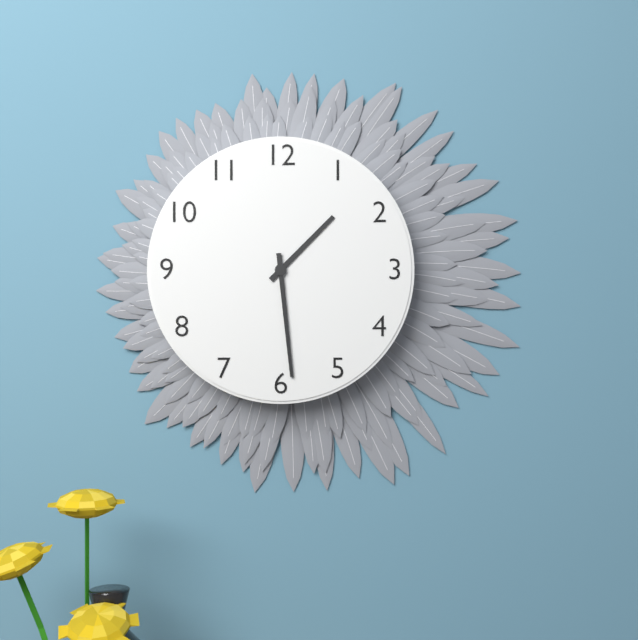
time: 1:29
